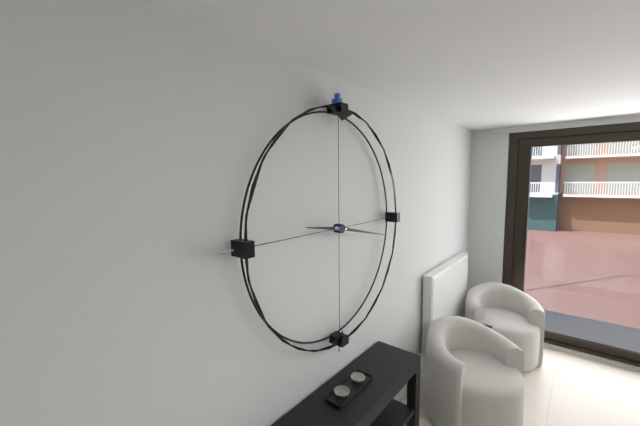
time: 9:17
